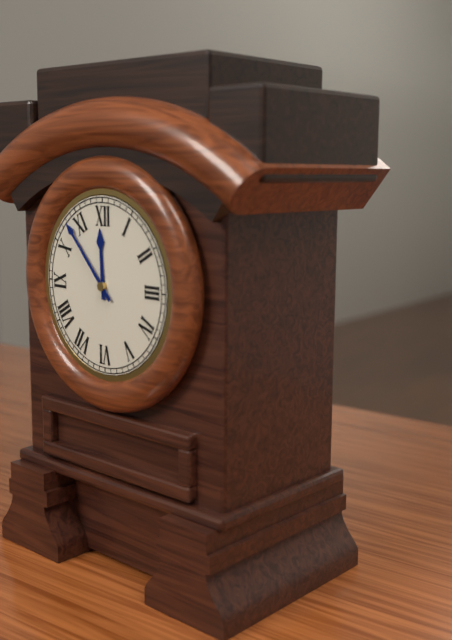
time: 11:53
